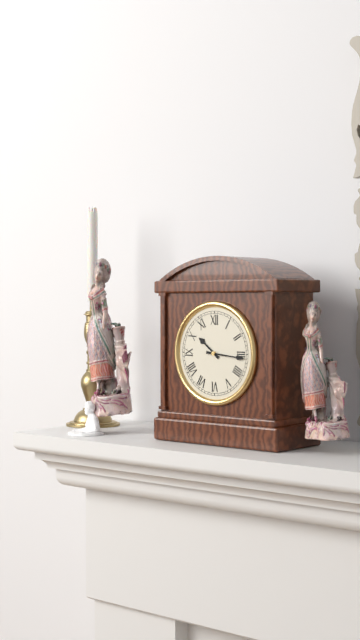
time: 10:16
